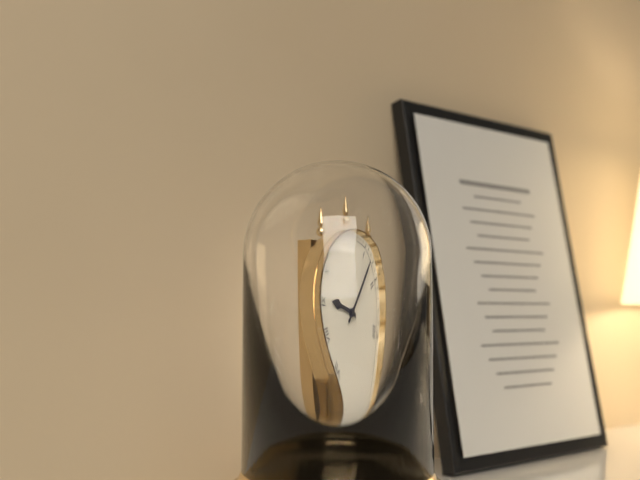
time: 9:07
